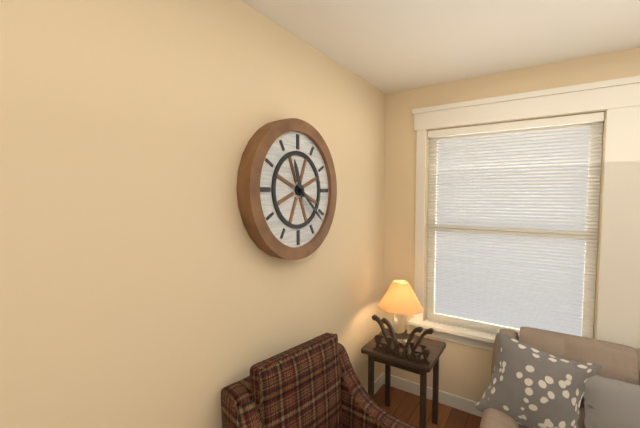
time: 11:22
